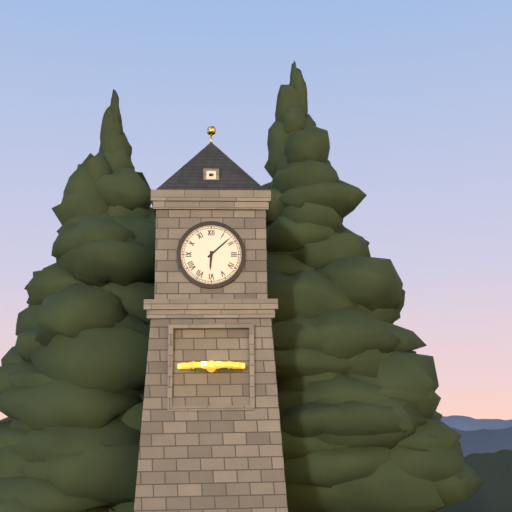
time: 6:08
